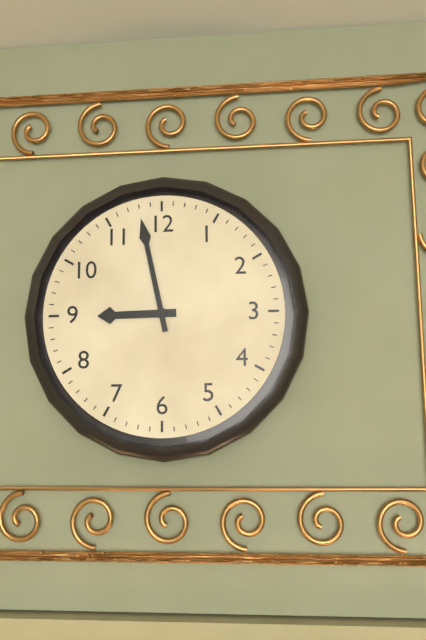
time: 8:58
